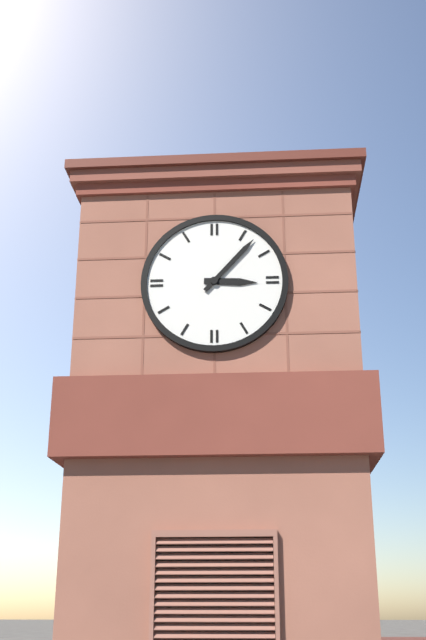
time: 3:07
